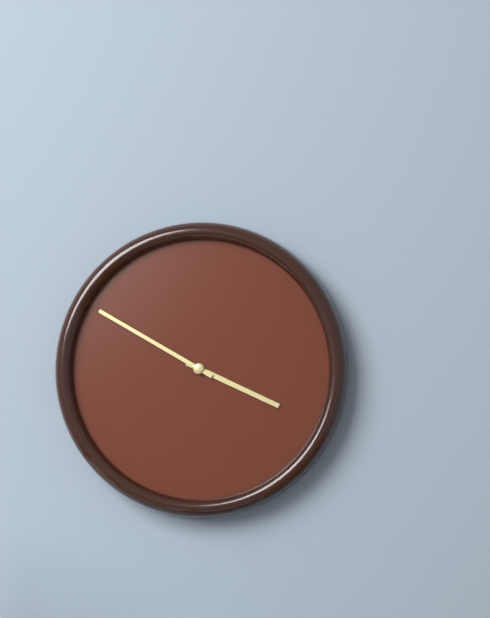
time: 3:50
